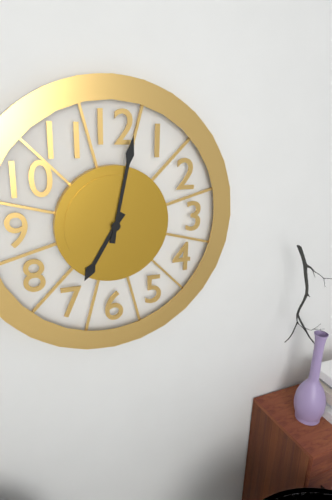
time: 7:02
